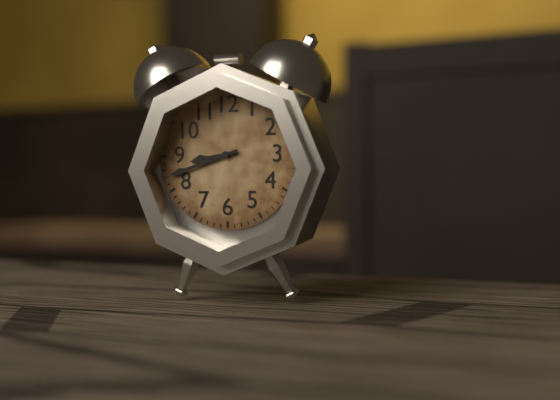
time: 8:42
